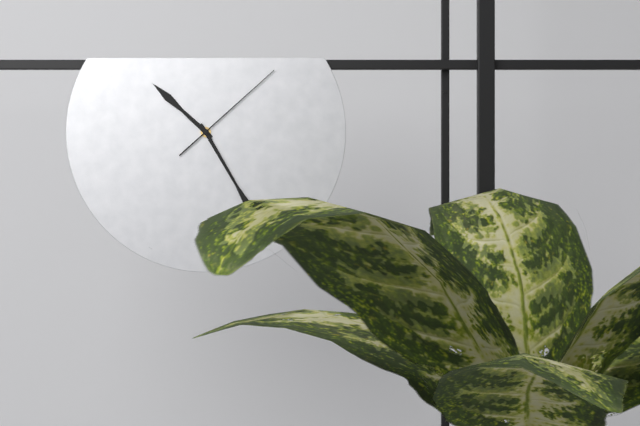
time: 10:25:08
